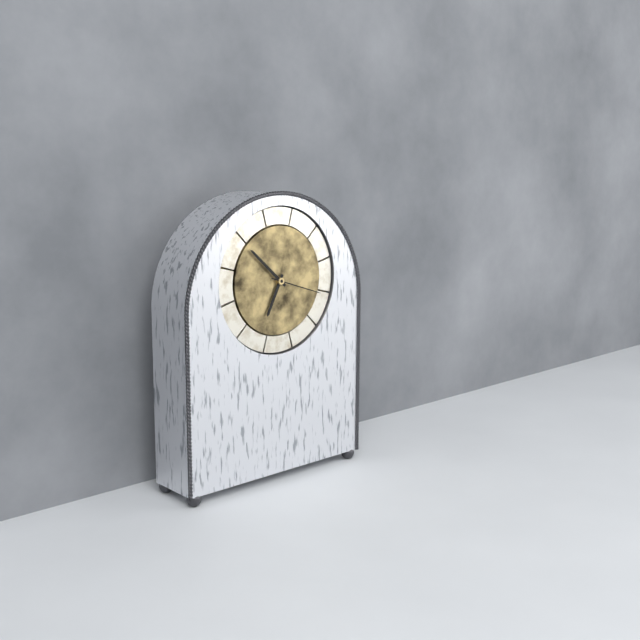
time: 6:52:18
